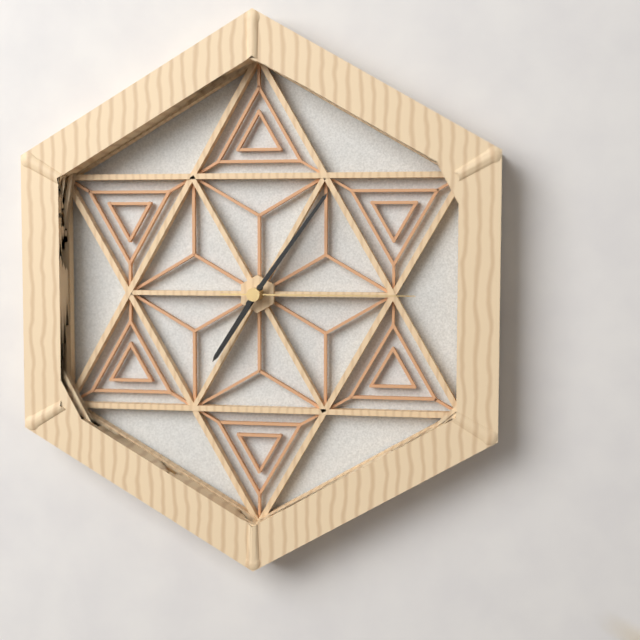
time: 7:06:15
